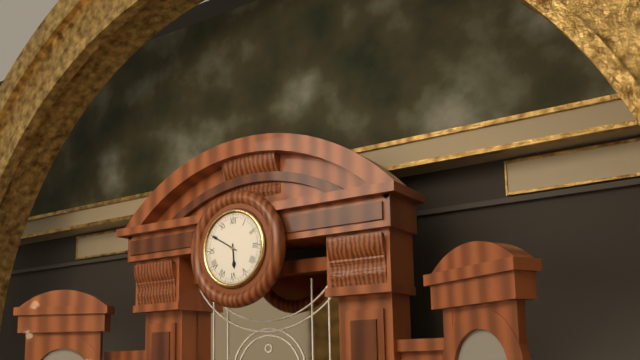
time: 5:50
